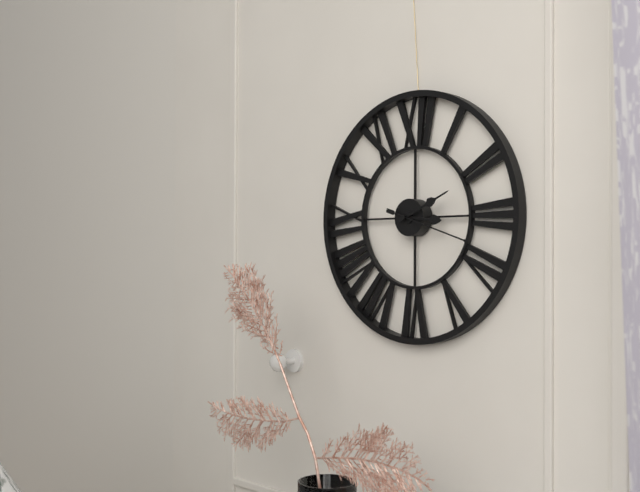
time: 3:11:18
